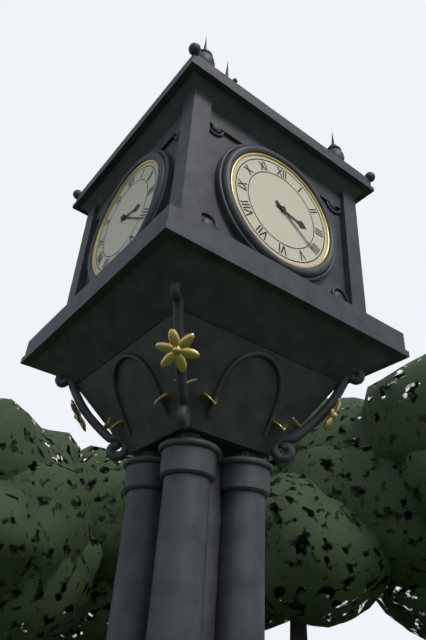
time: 3:21
